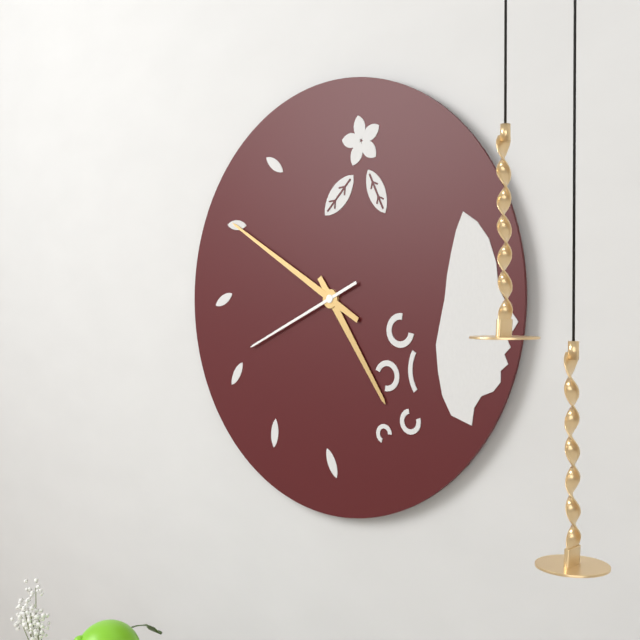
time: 4:50:41
